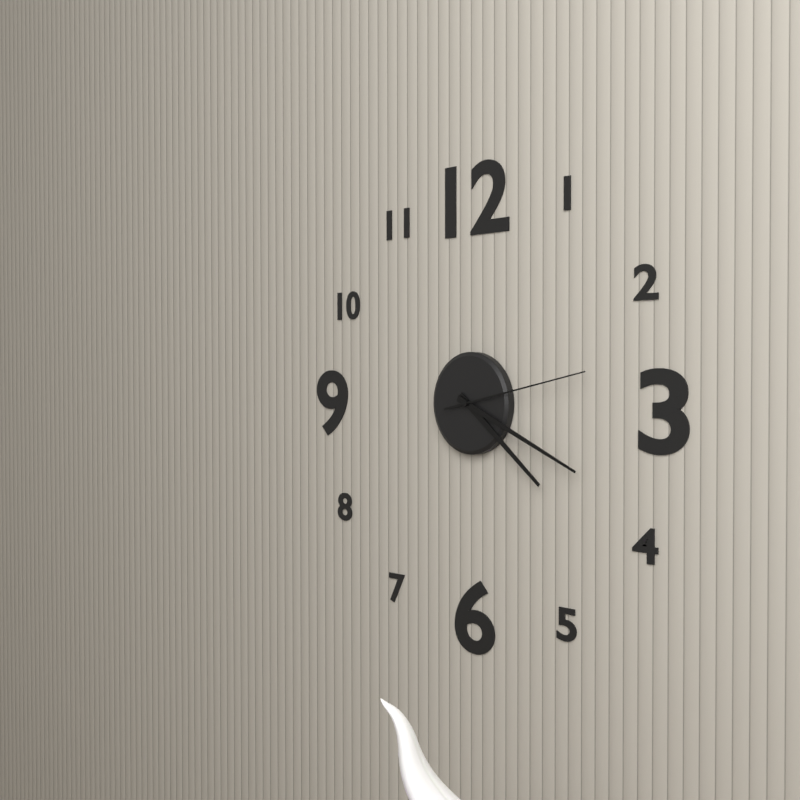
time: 4:19:13
